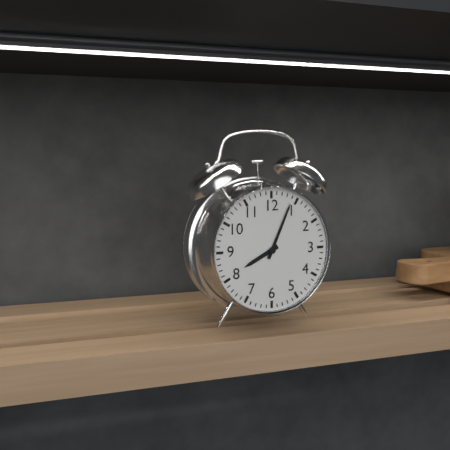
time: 8:04
